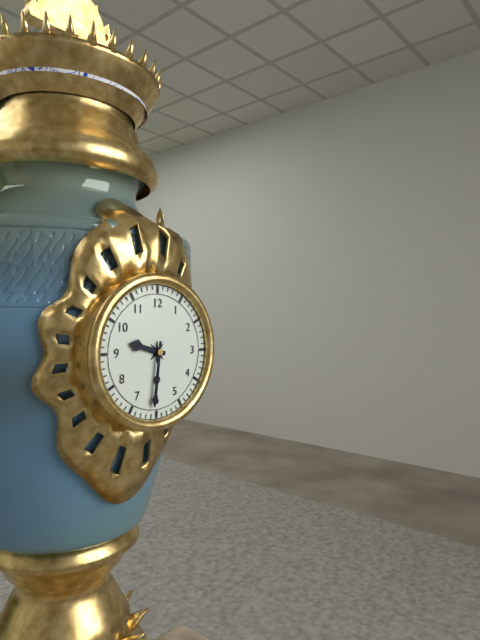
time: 9:31
